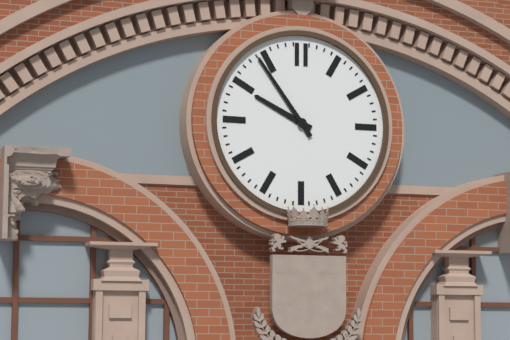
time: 9:54
